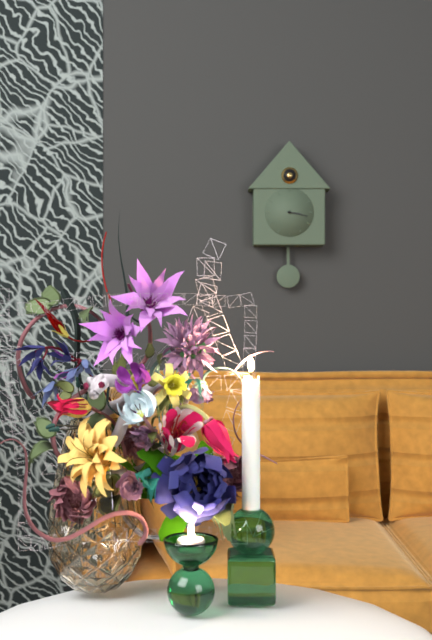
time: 3:17
